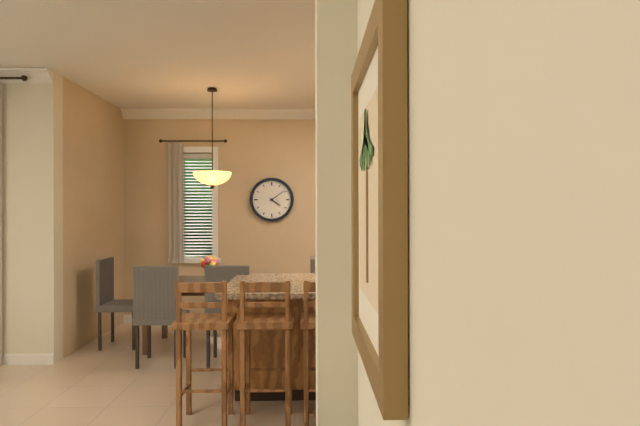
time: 4:09
